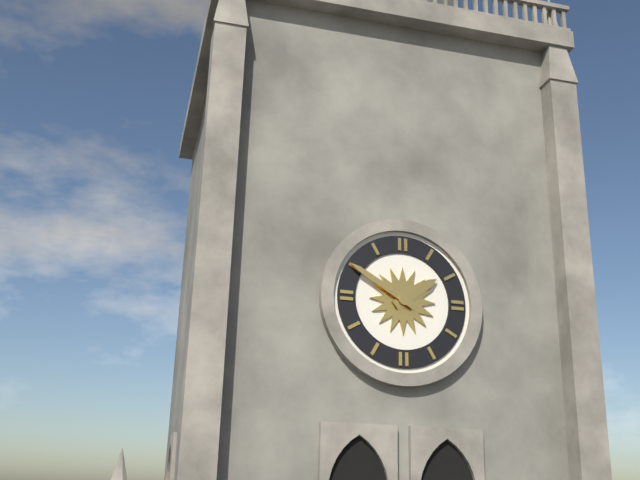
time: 1:50
